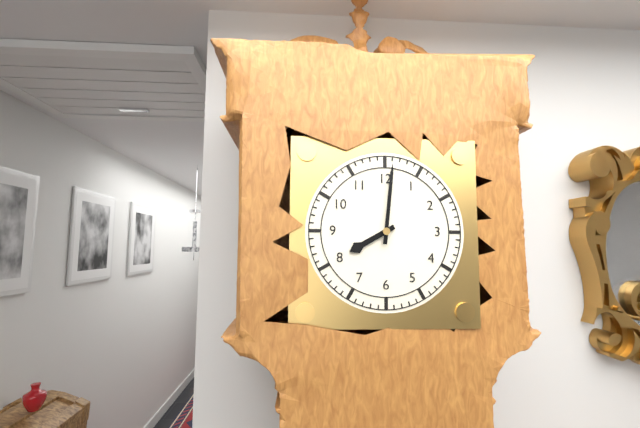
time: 8:01
